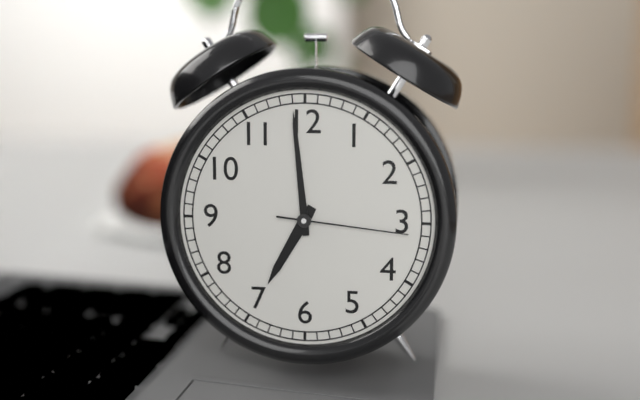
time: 6:59:16
